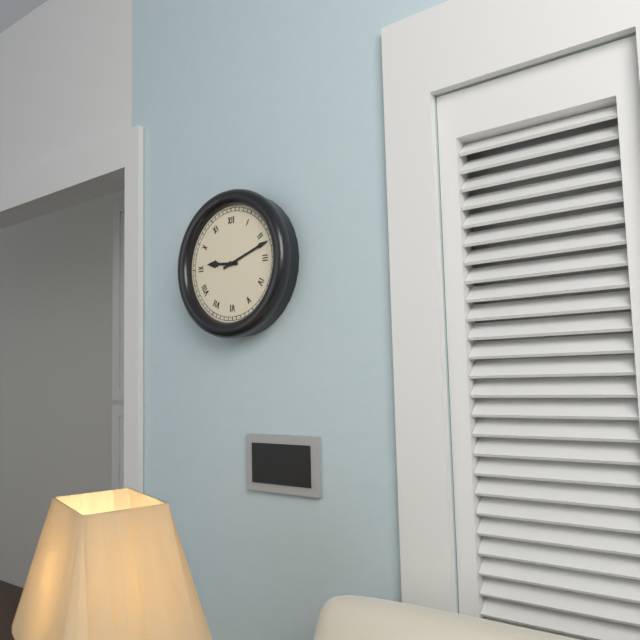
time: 9:12
